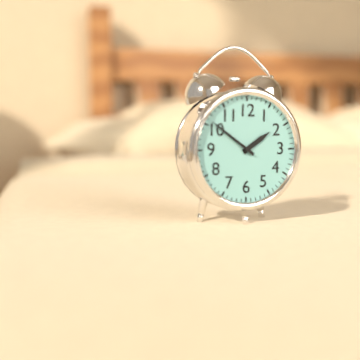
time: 1:51
